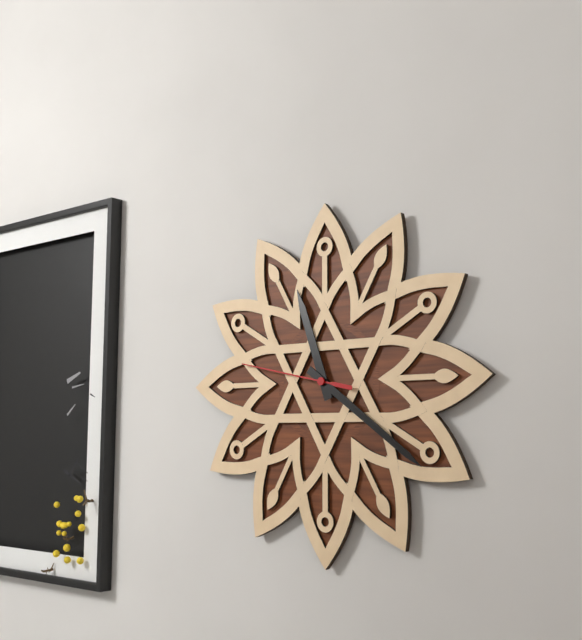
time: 11:21:47
